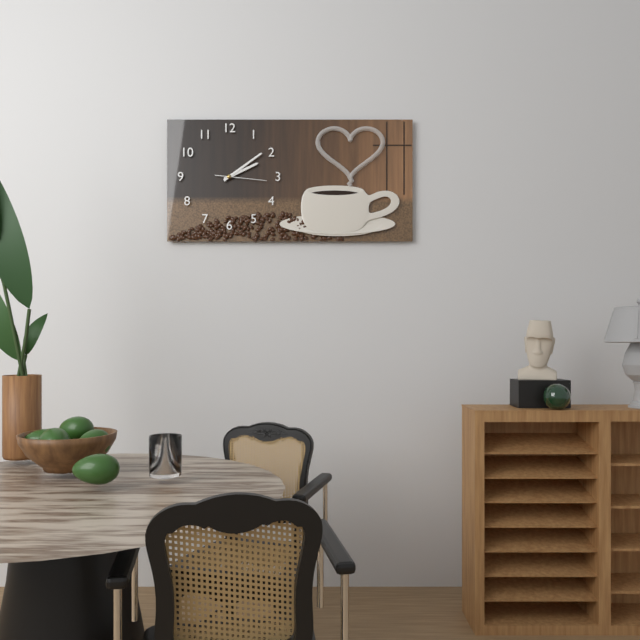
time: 2:09
